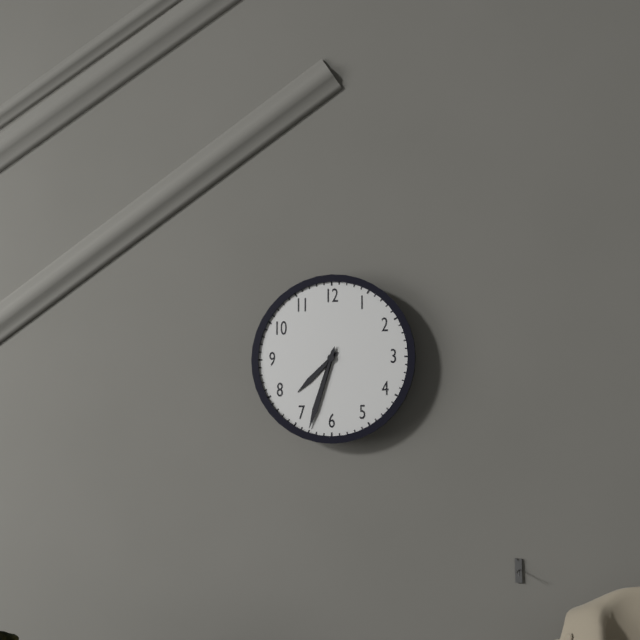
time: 7:33
